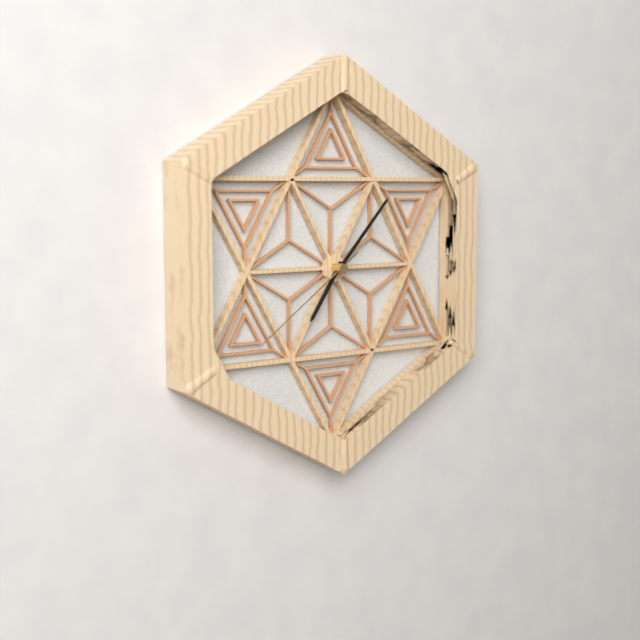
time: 7:07:39
